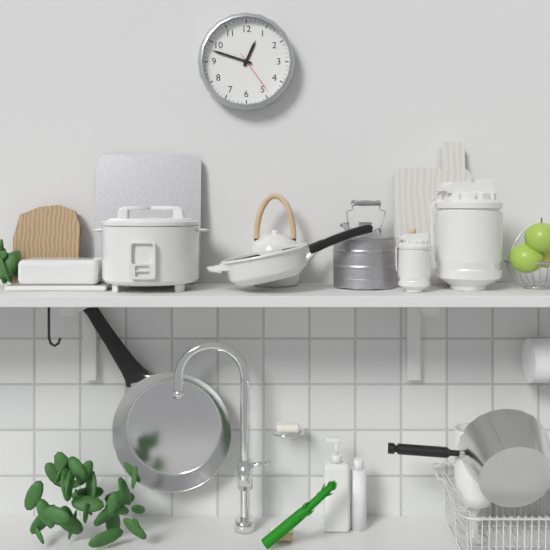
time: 12:48
